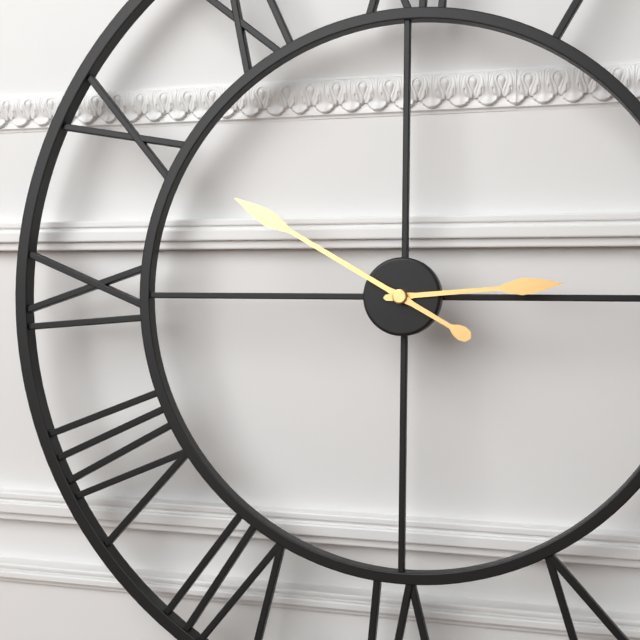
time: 2:50
